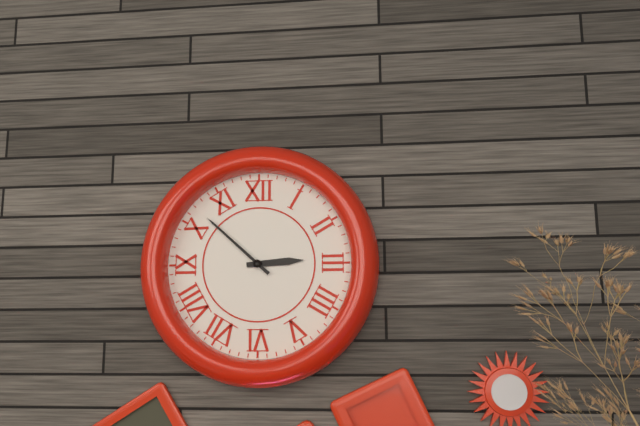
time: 2:52
